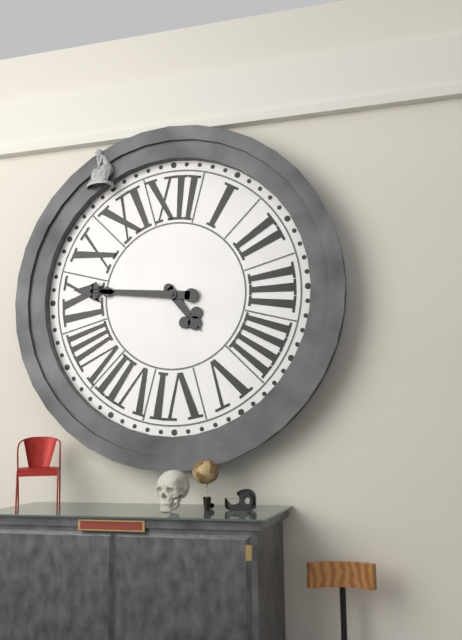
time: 4:46
